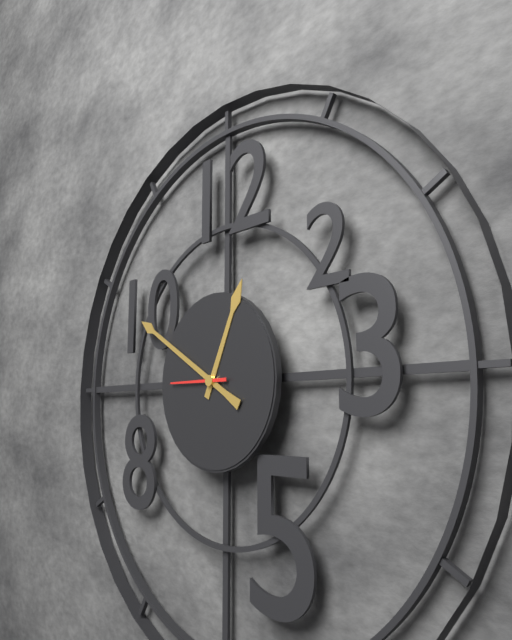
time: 12:50:45
